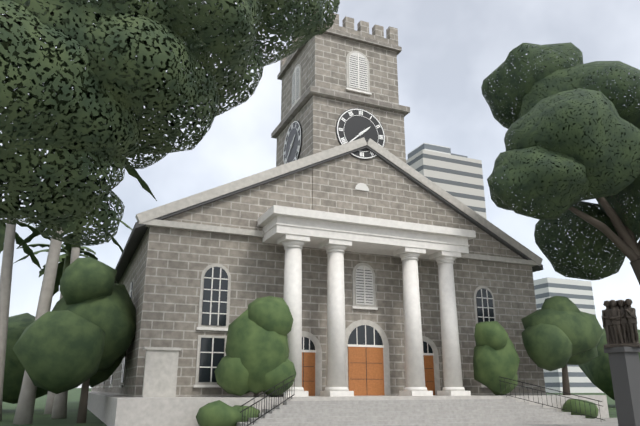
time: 1:38
